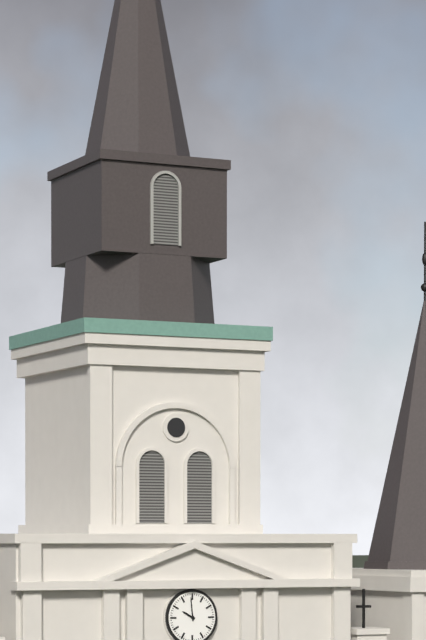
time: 9:59
